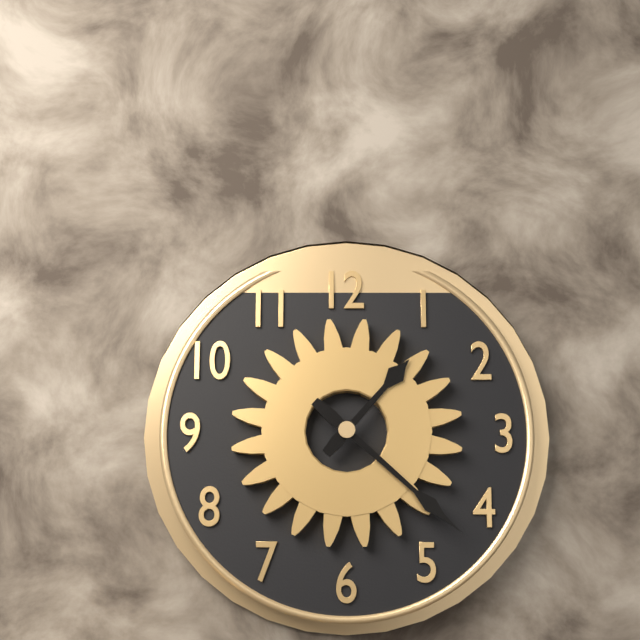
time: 1:22
